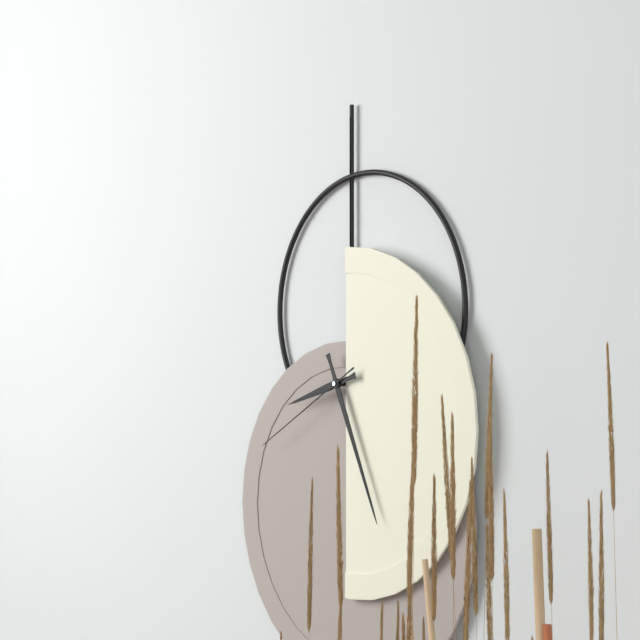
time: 8:26:40
